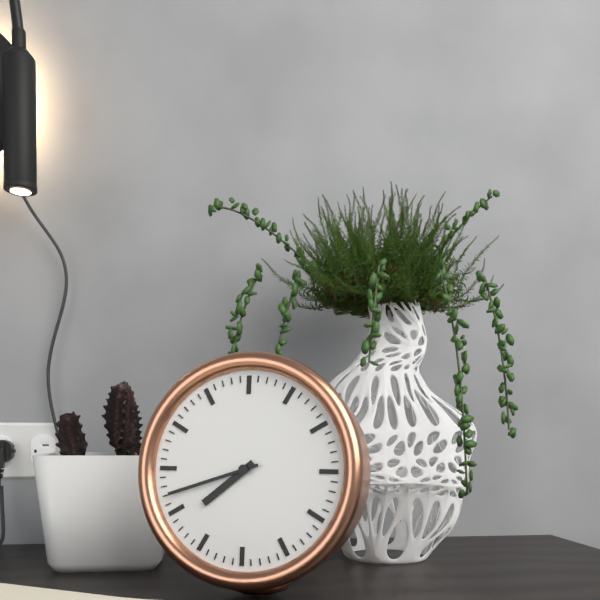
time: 7:42
